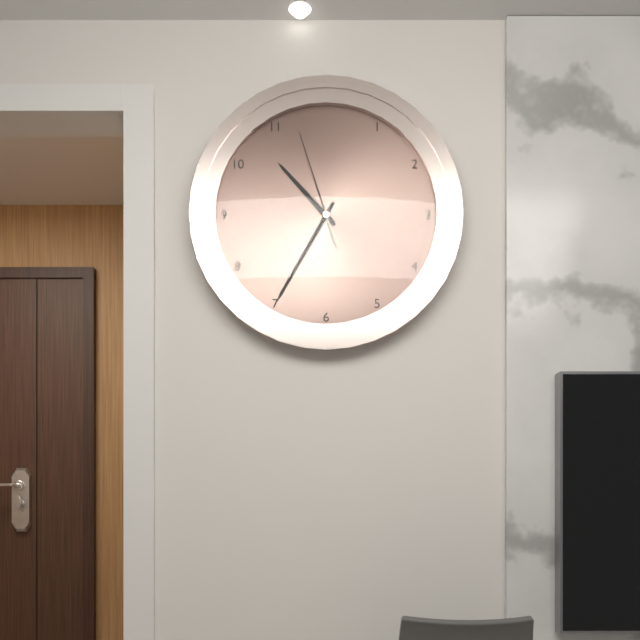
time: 10:35:57
